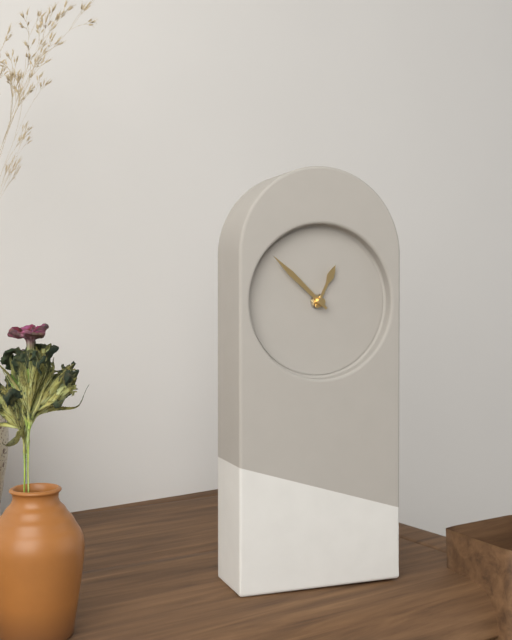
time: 12:52
